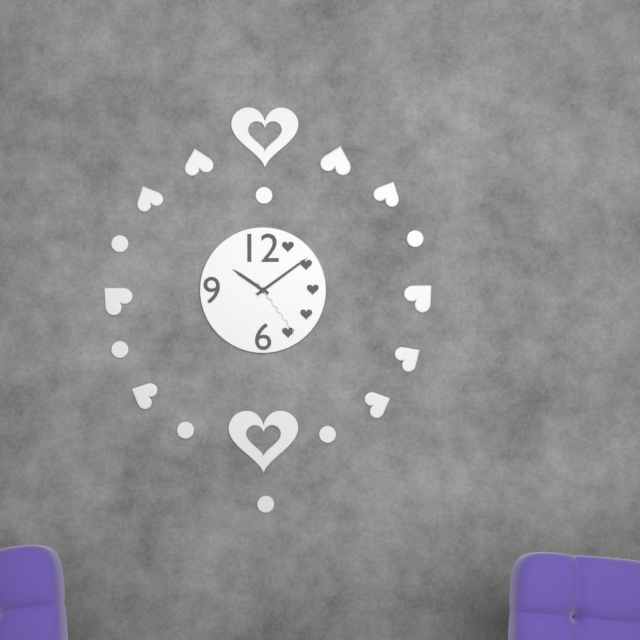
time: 10:09:24
